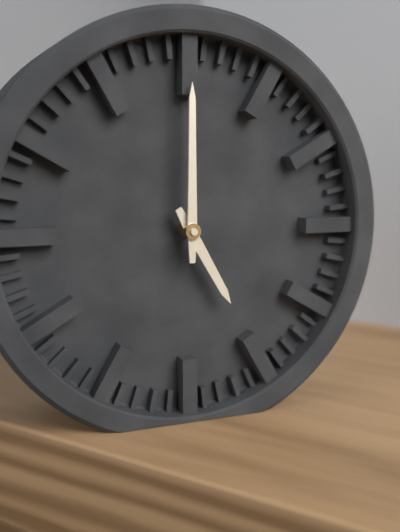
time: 5:00
